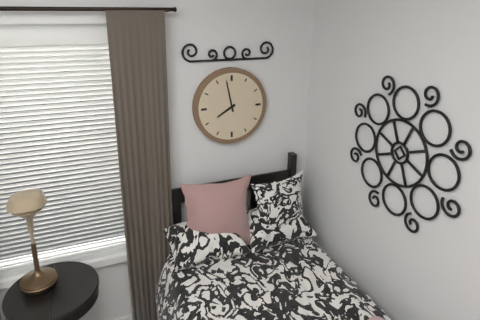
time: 7:58
